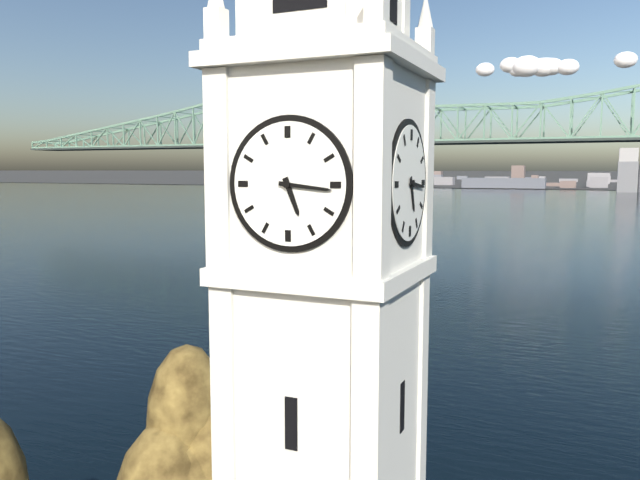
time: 5:16
